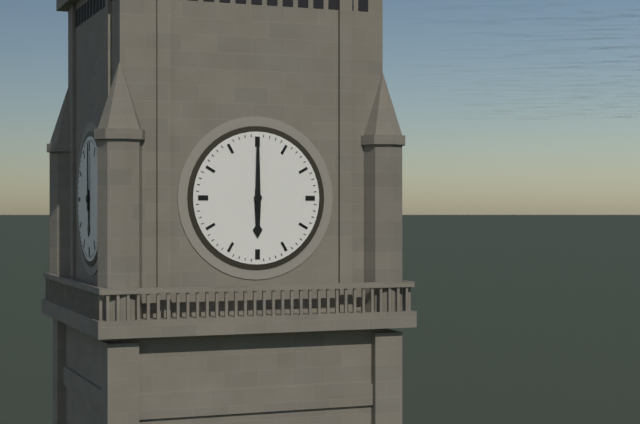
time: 6:00
